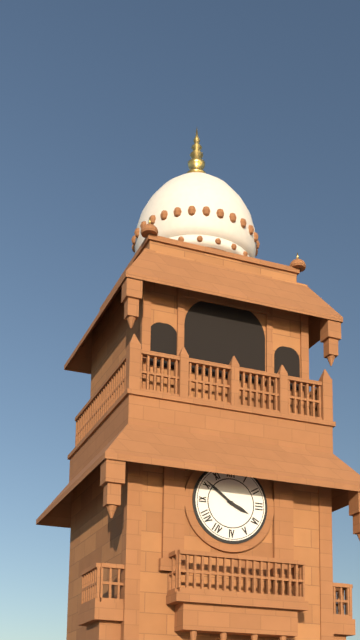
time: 3:51
